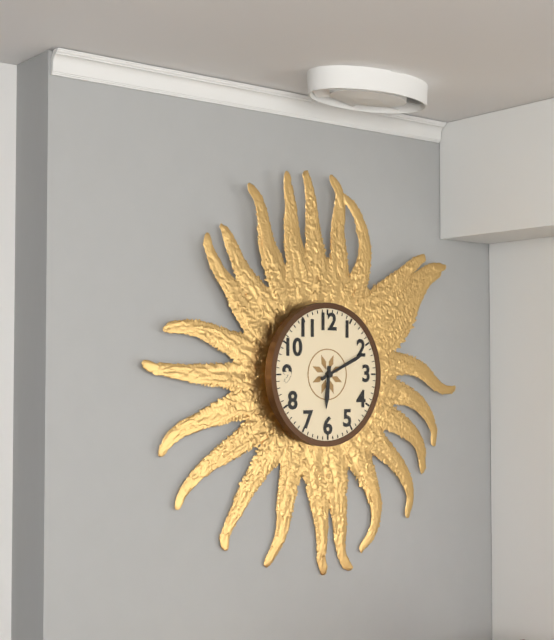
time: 6:11
